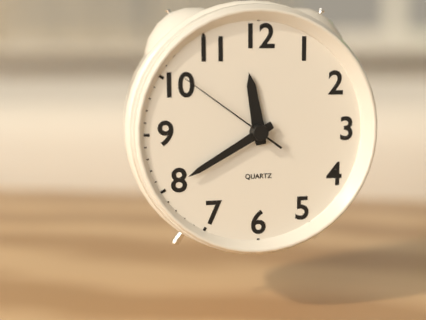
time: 11:40:51
